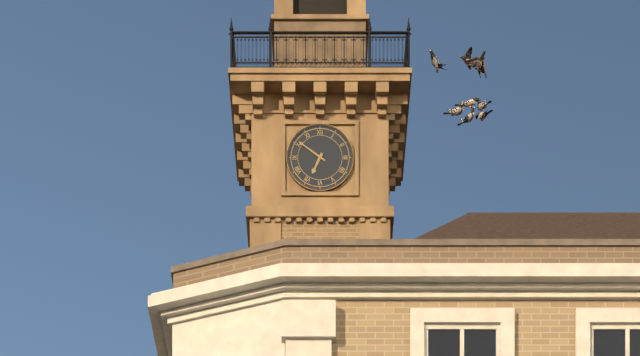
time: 6:51
